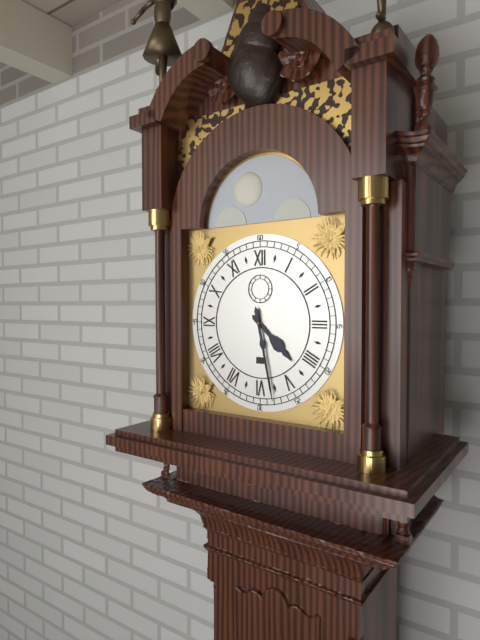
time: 4:28
